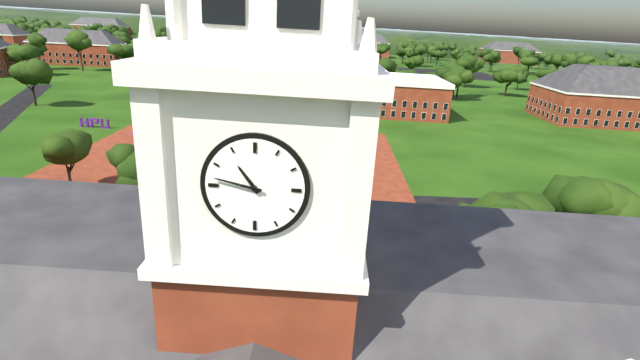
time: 10:47
